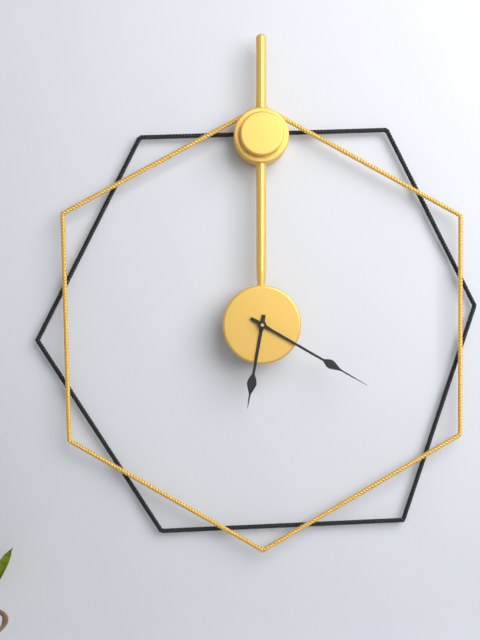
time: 6:20
